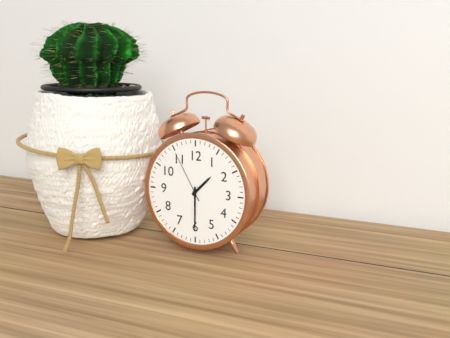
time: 1:30:55
